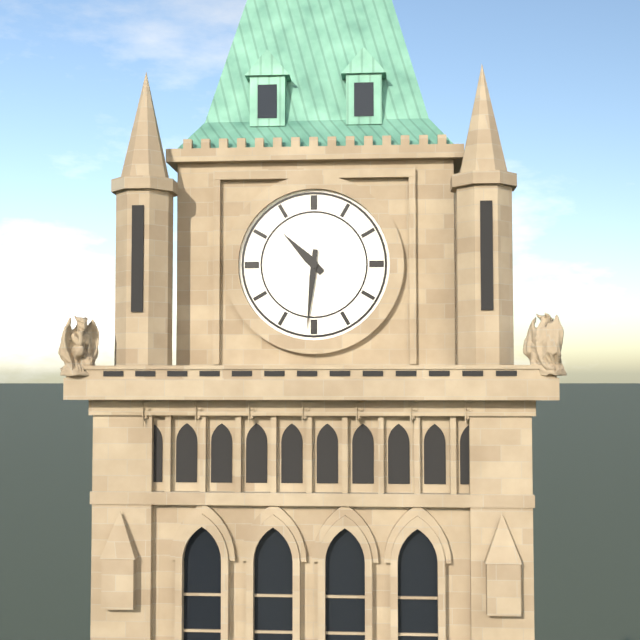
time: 10:31
